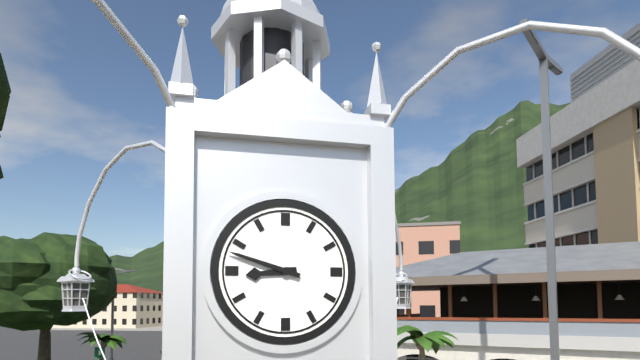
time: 8:48
